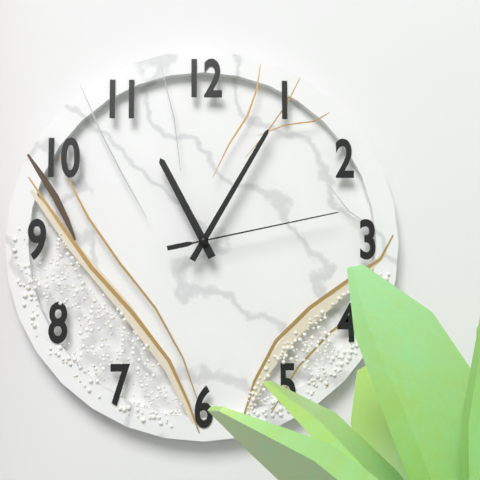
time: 11:05:13
